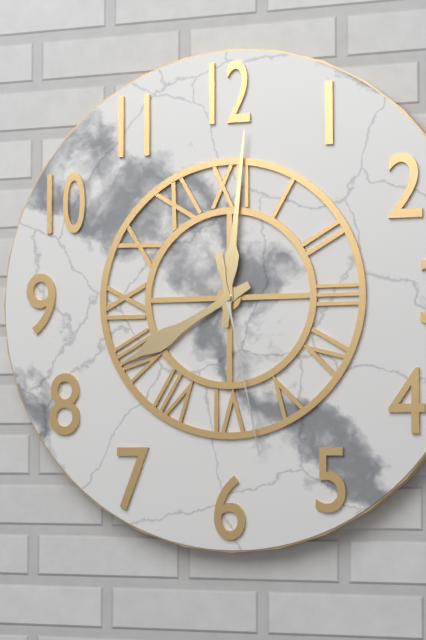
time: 8:01:28
